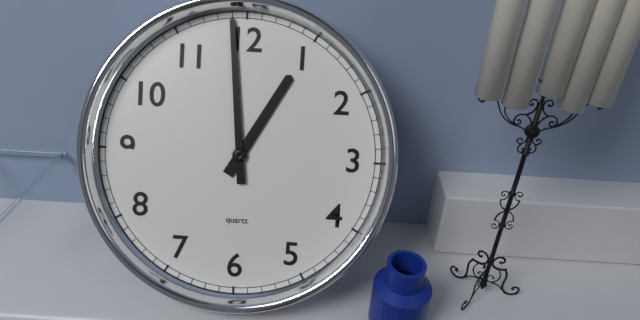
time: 12:59
